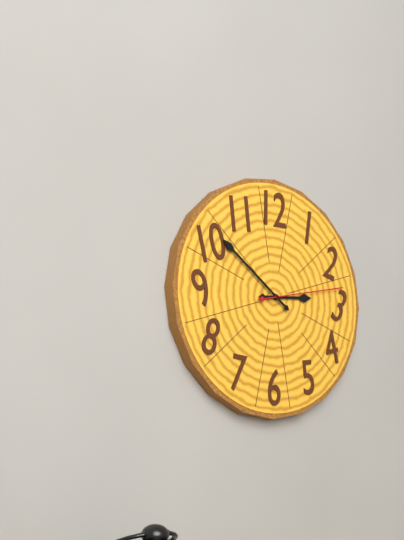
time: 2:51:13
